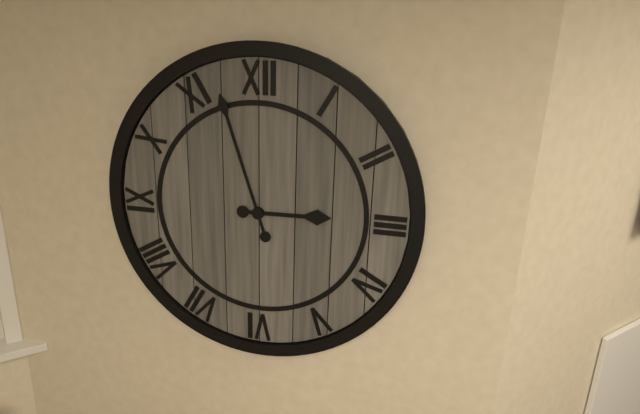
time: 2:57
